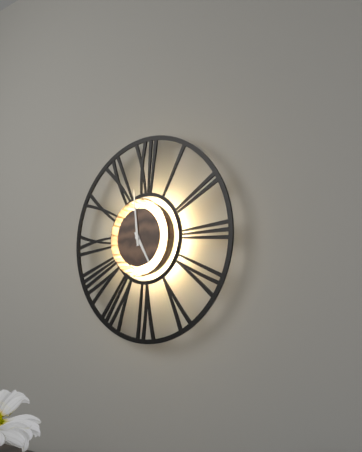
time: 4:59
